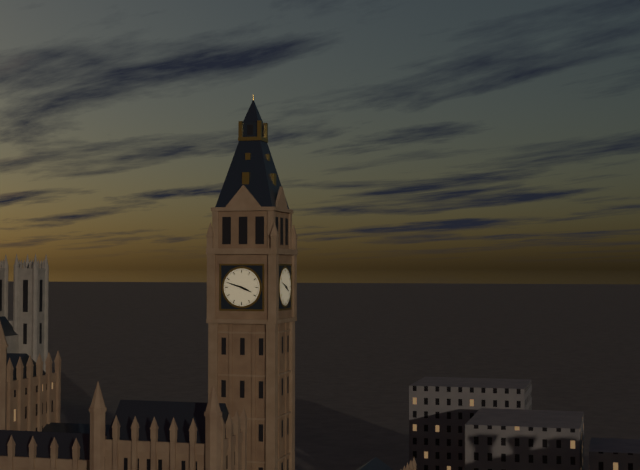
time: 3:48
